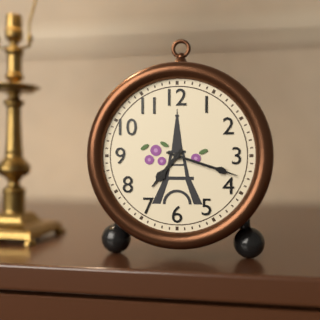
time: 7:18
